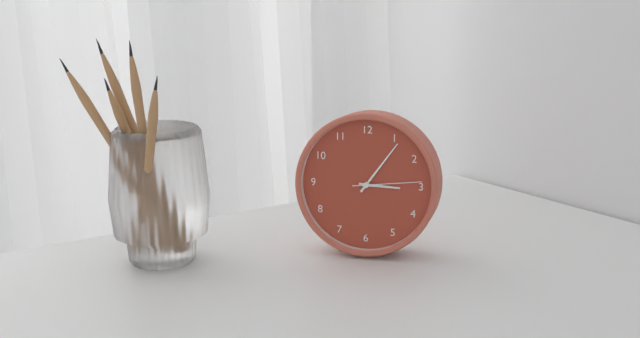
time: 3:06:14
